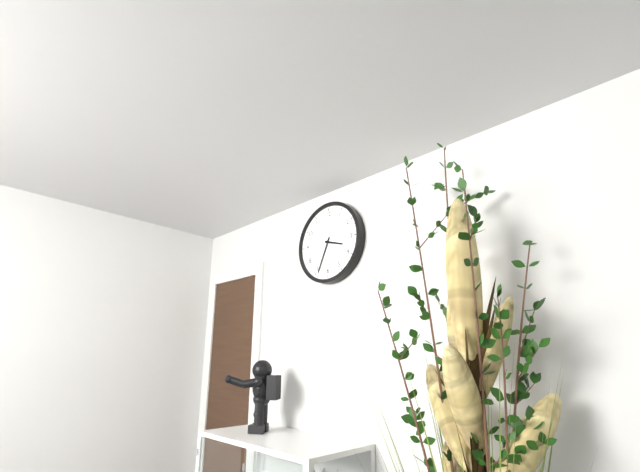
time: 3:34
